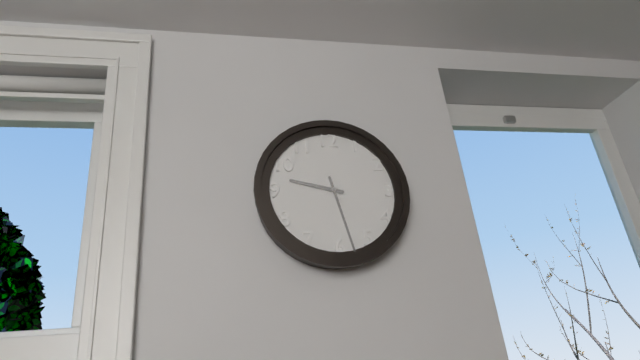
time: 9:28
